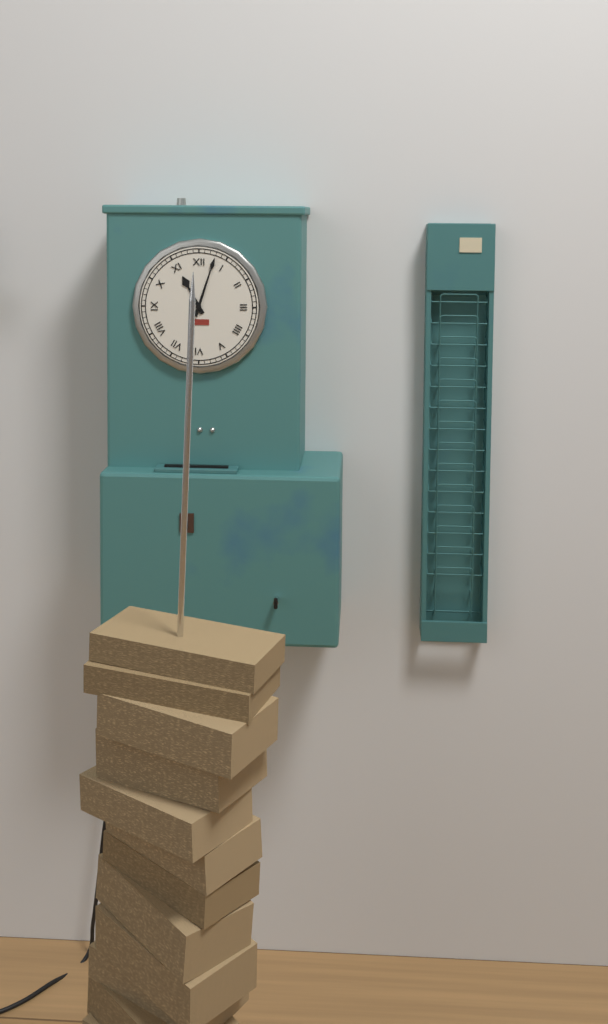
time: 11:03
